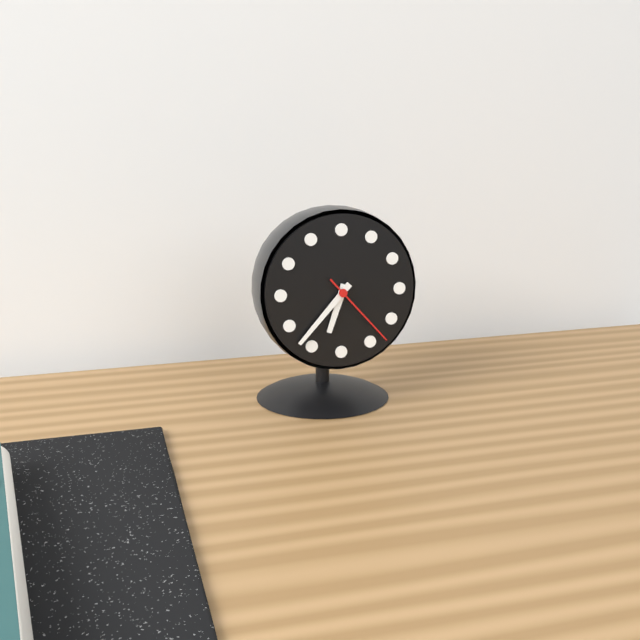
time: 6:37:23
